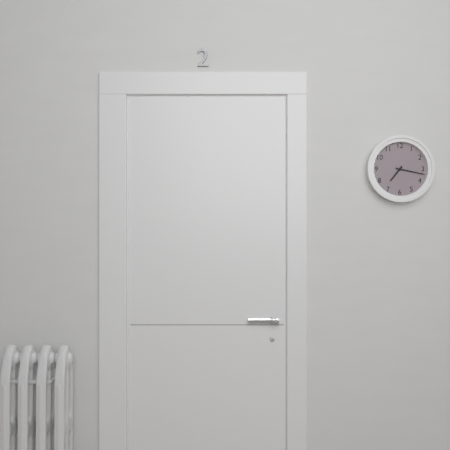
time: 7:17
